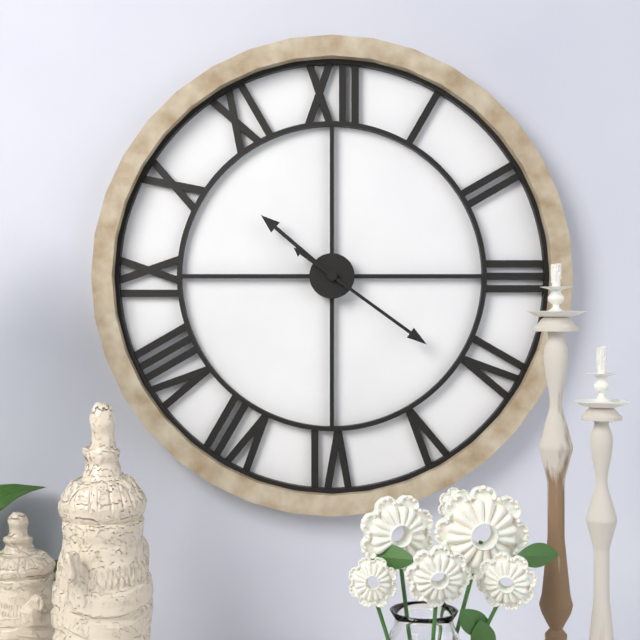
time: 10:21
